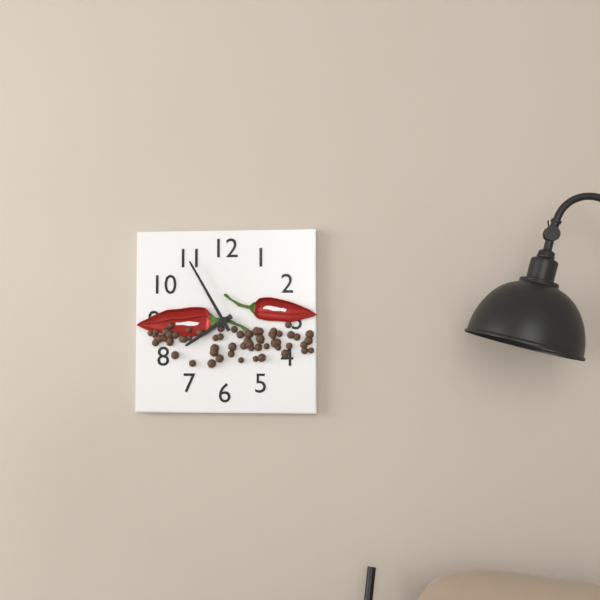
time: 7:55
